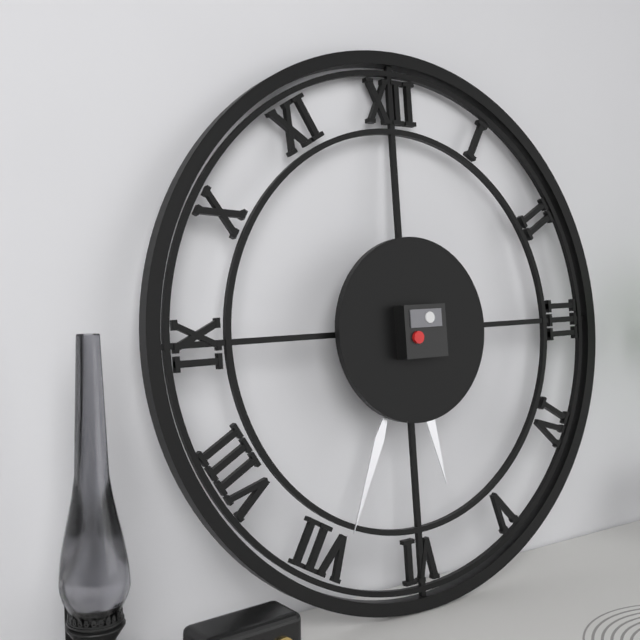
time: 5:34
